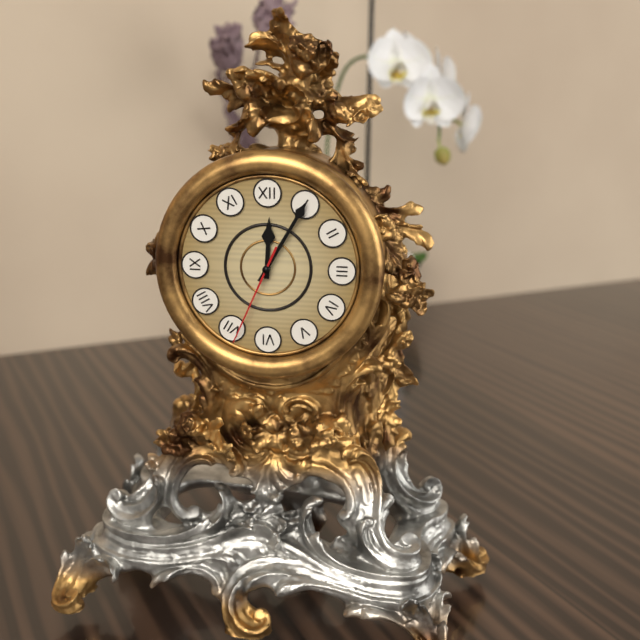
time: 12:05:34
